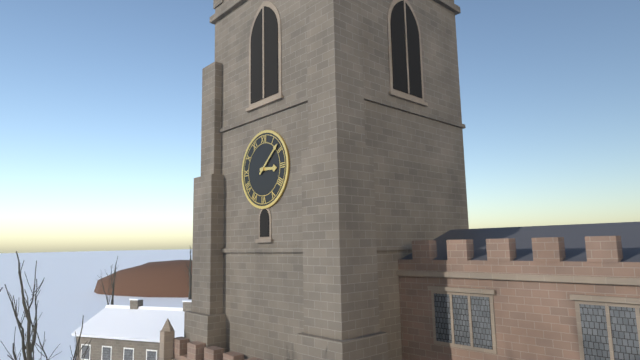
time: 3:08
